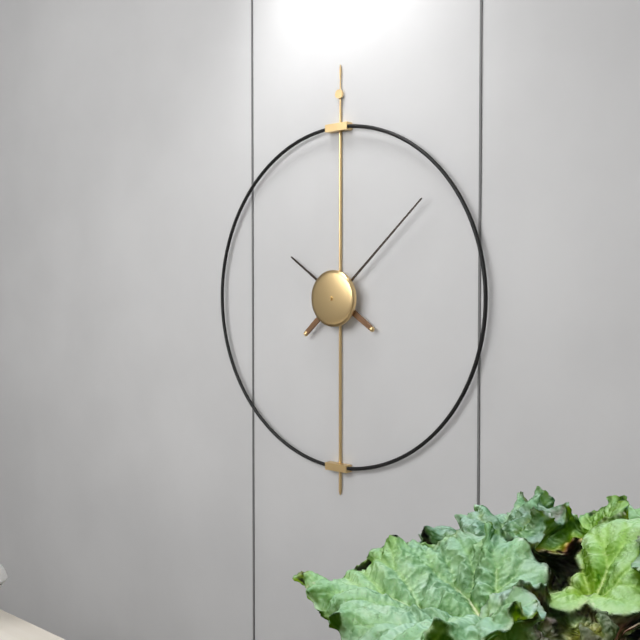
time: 10:08
